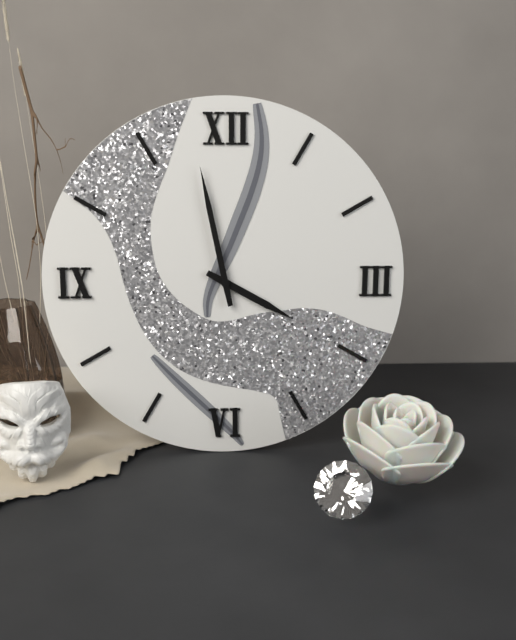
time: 3:58
